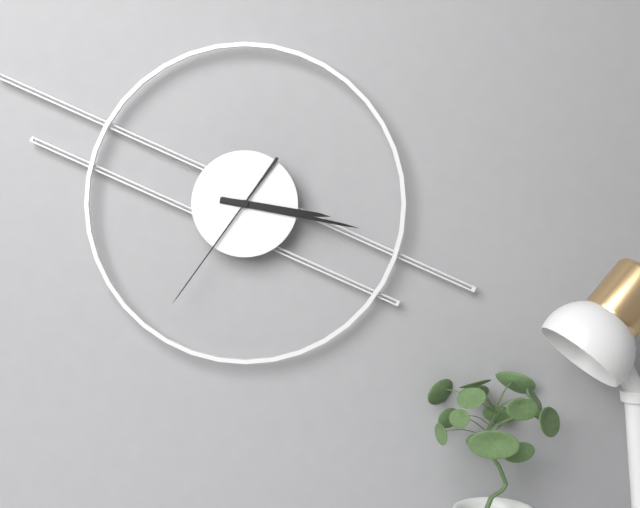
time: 3:17:36
